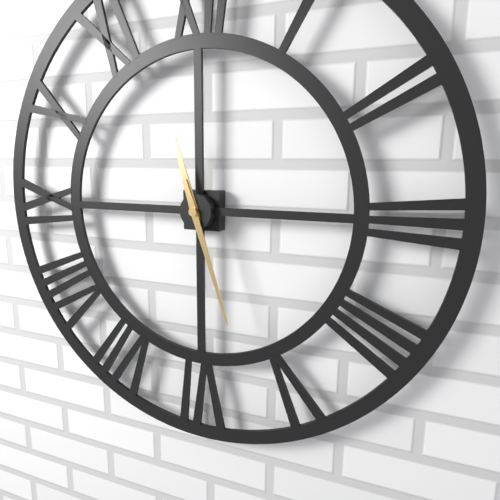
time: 11:27
